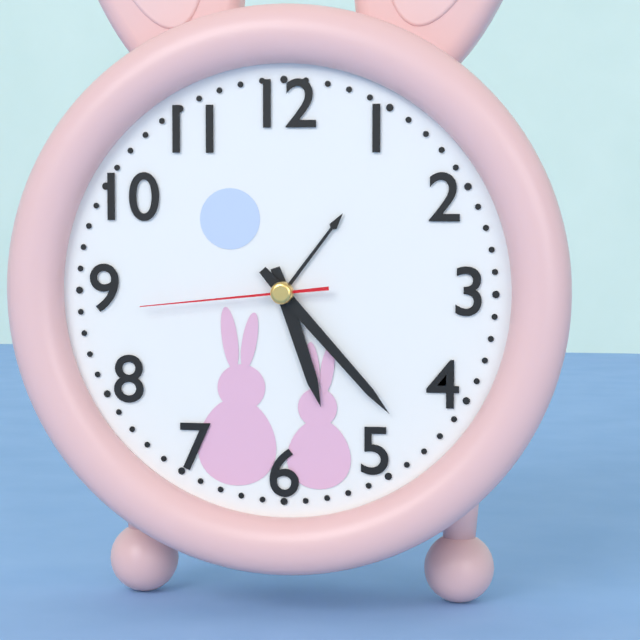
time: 5:23:44
